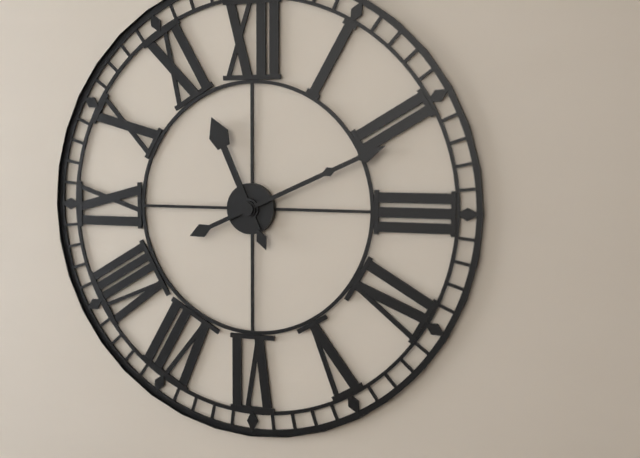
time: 11:11
